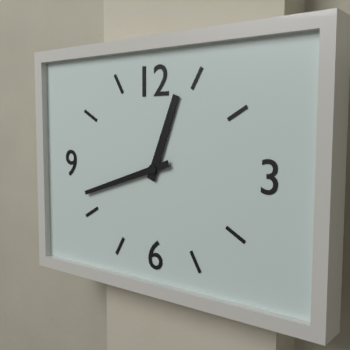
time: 12:42
